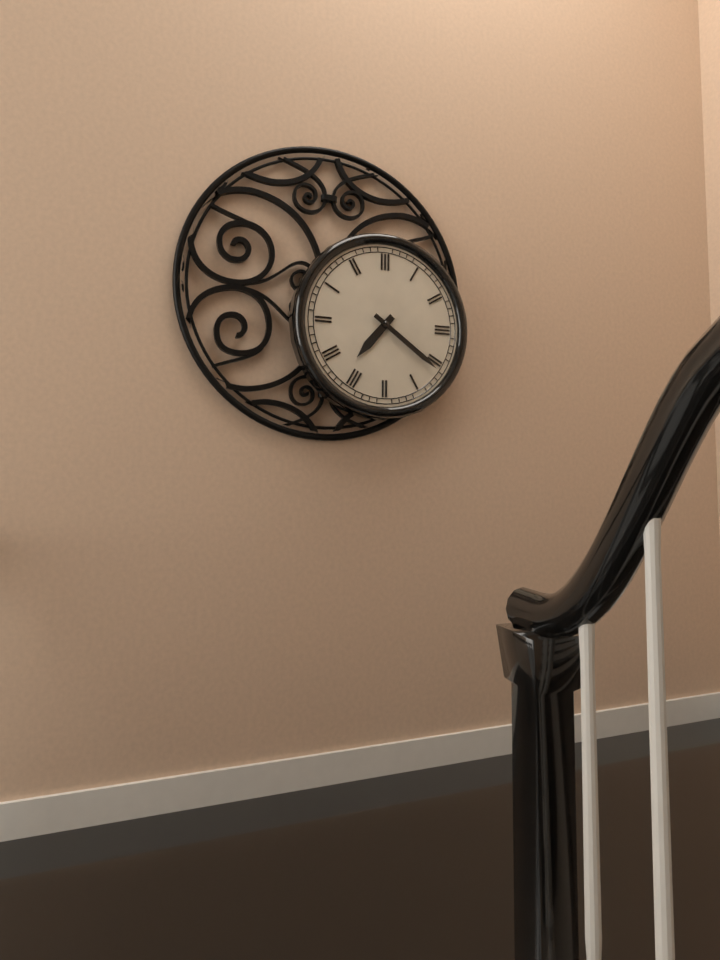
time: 7:21
